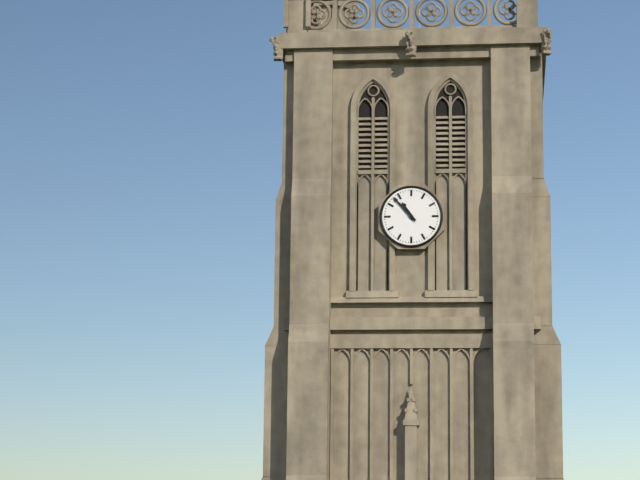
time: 10:53
